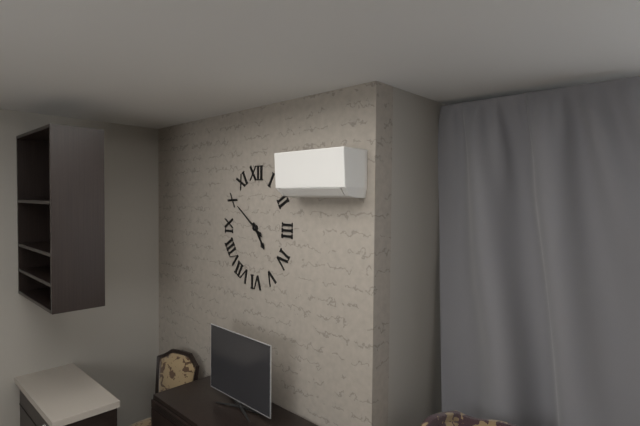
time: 4:51
